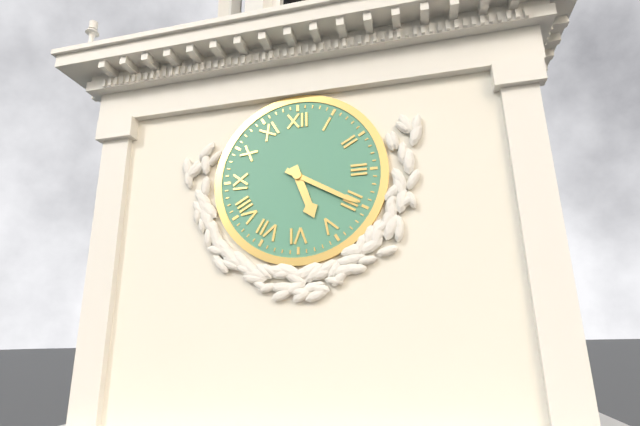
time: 5:20
